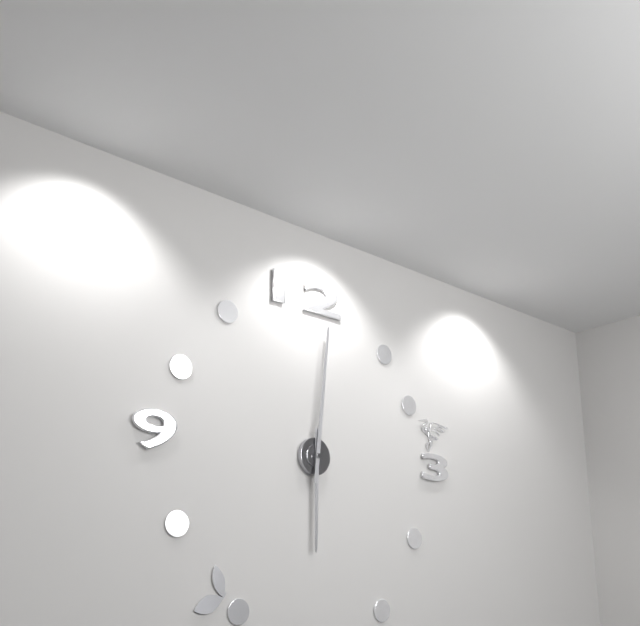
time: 6:01
